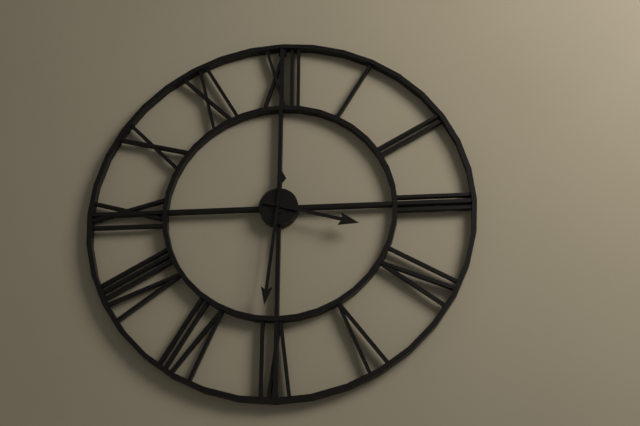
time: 3:31
